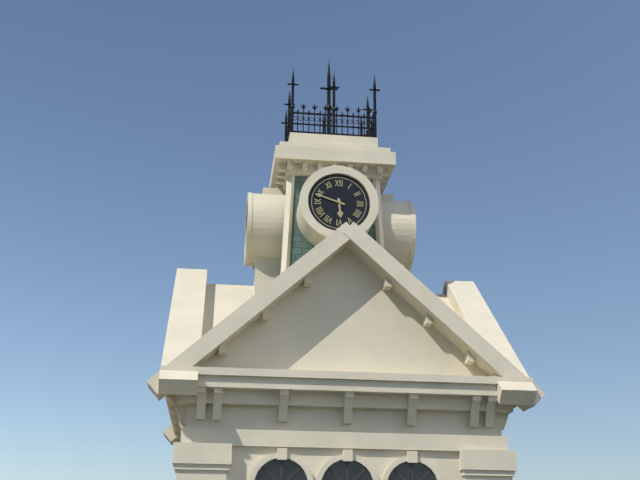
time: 5:48
